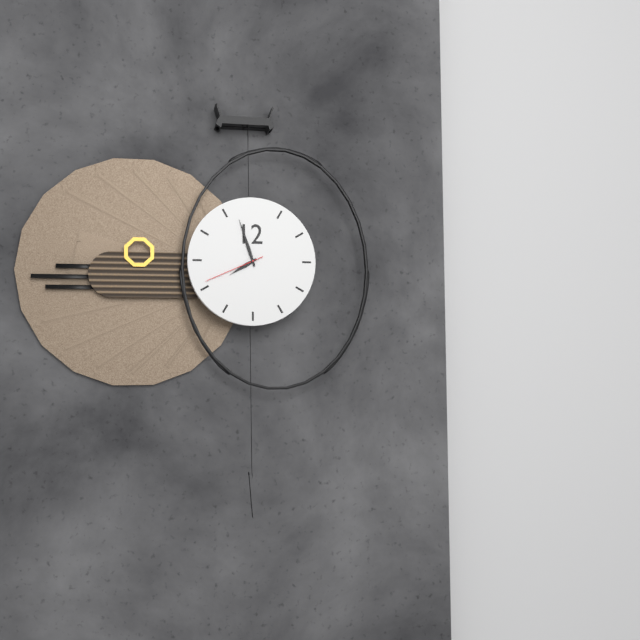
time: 7:57:41
